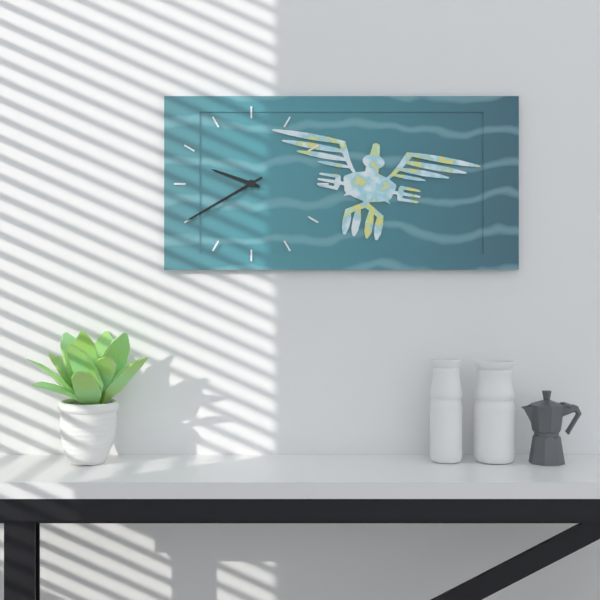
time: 9:40
